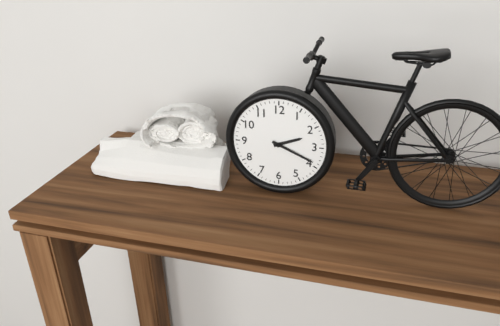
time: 2:19
